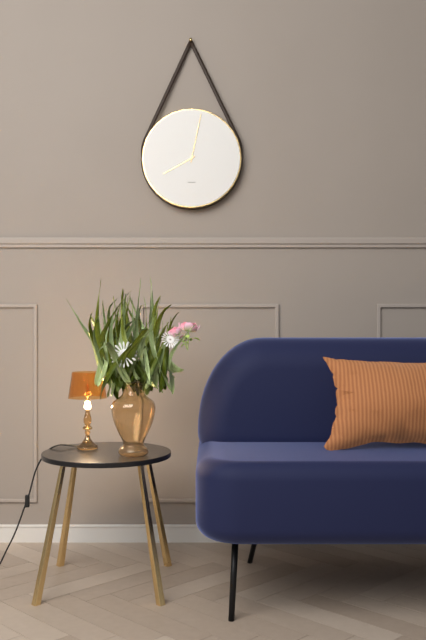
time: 8:02
